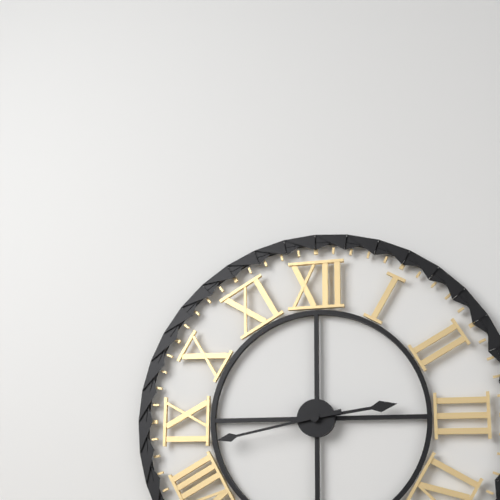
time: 2:43
